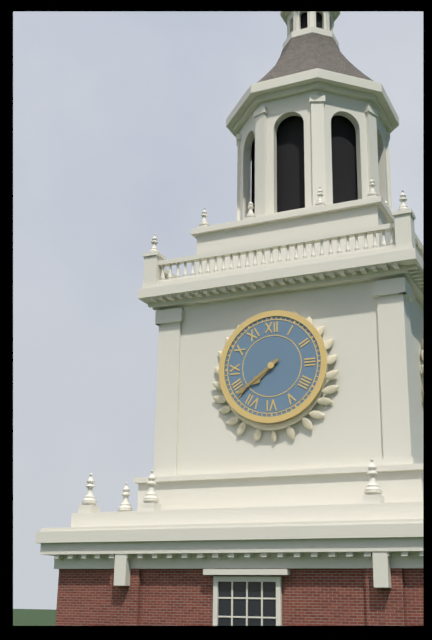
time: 7:39
